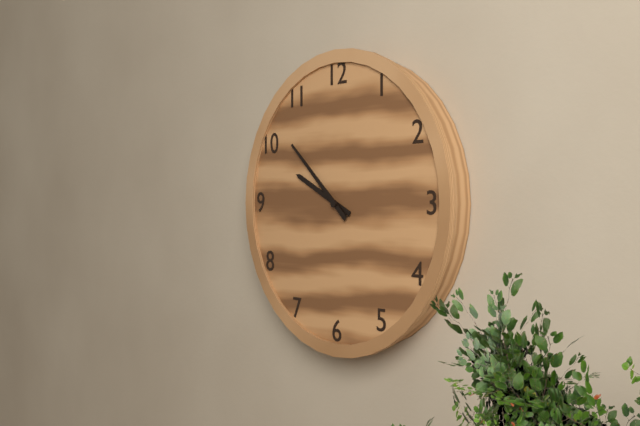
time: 9:52
